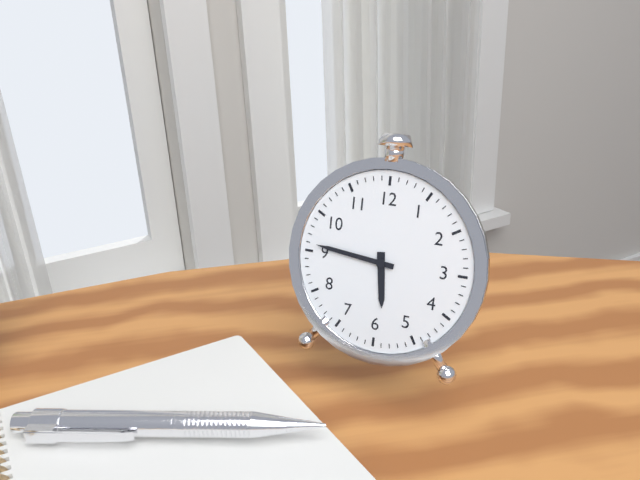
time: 5:46
